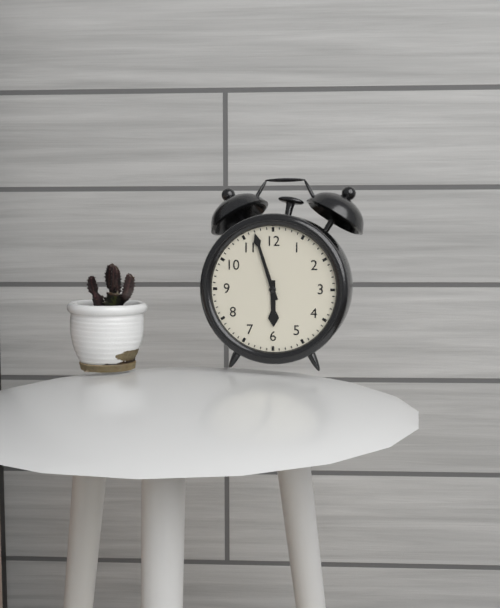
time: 5:57
